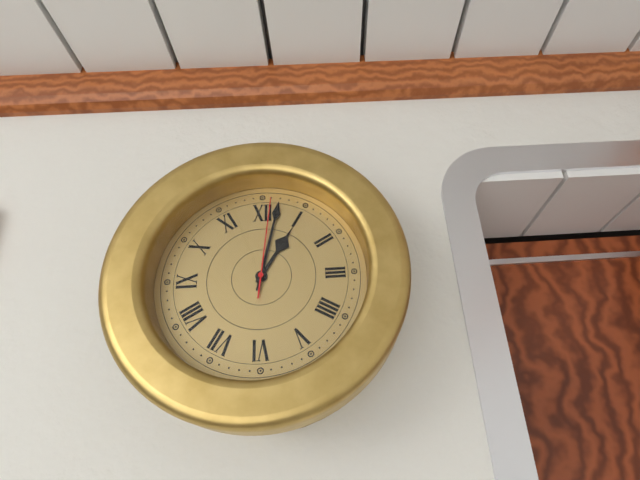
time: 1:02:01
